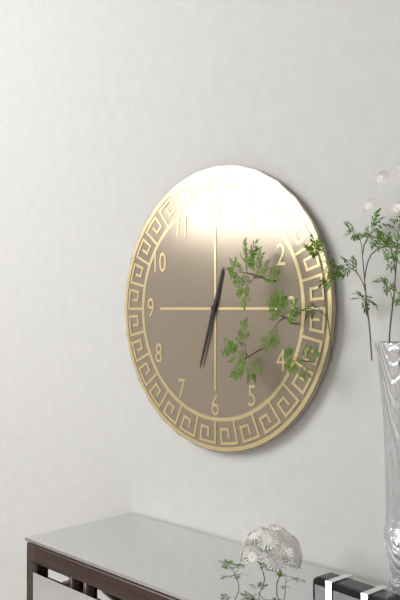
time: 12:33
